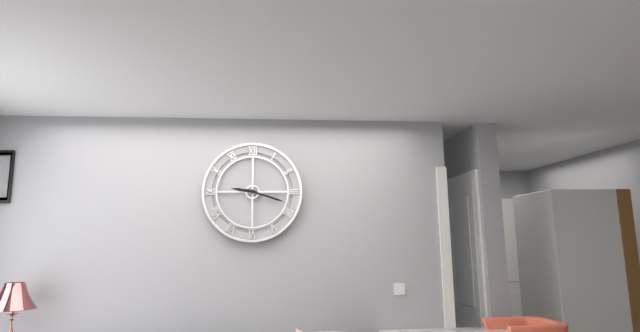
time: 9:18
